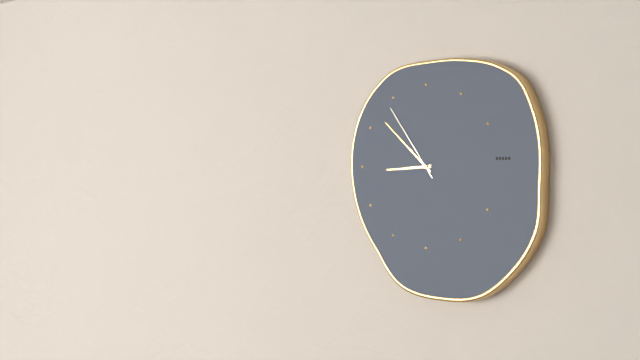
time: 8:52:54
